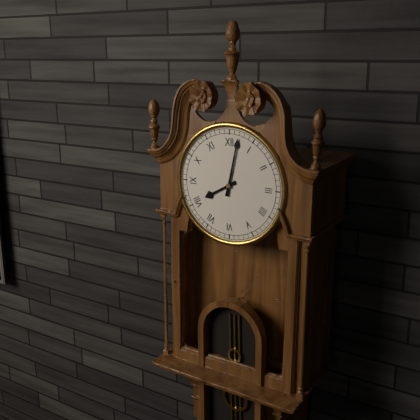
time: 8:02
